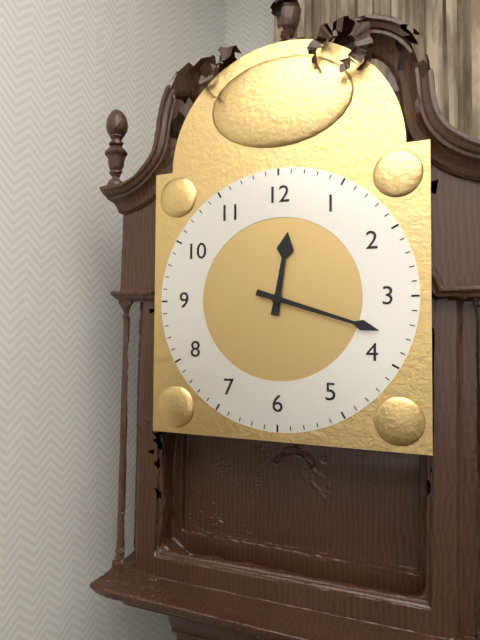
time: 12:18
